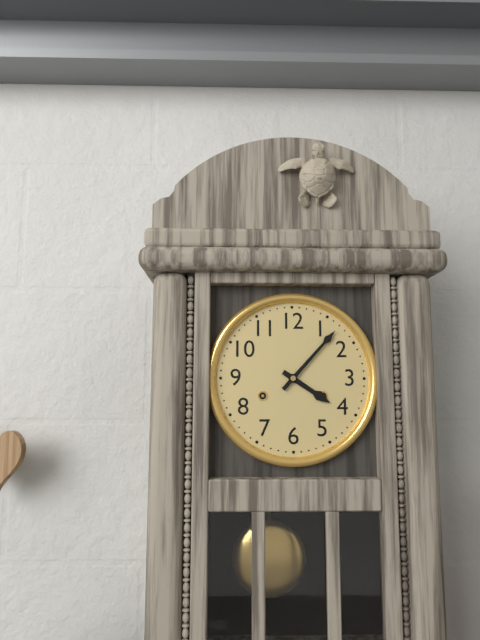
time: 4:07
